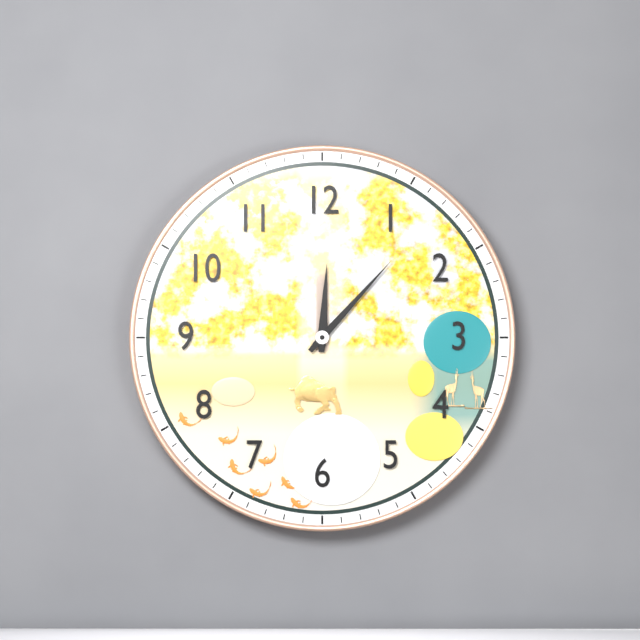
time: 12:07
